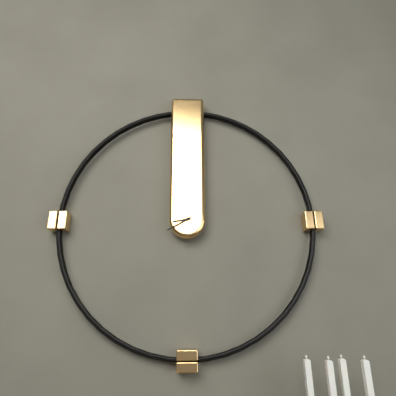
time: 8:40
